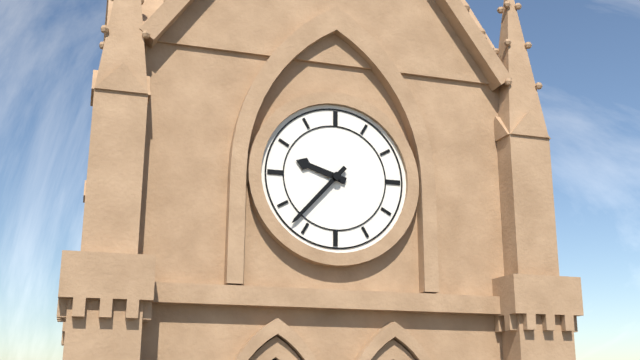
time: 9:37
